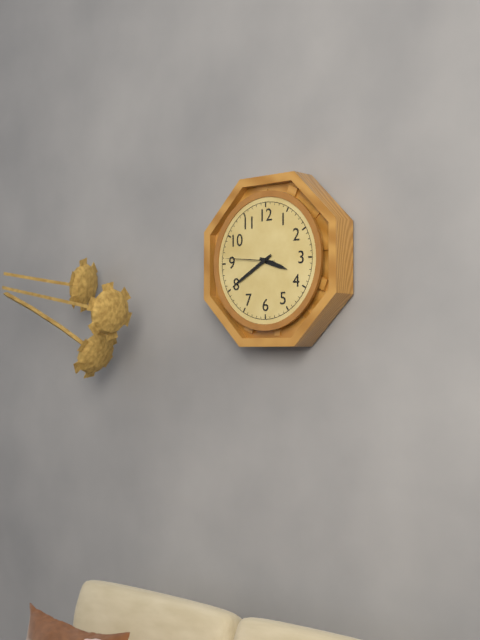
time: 3:40
